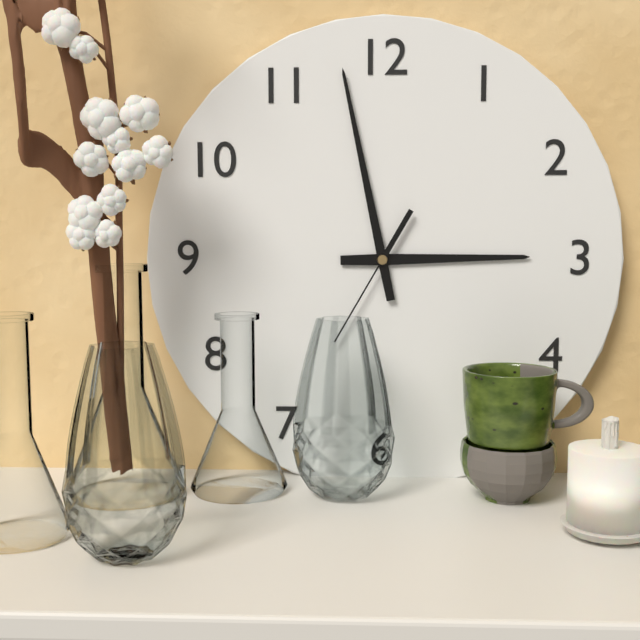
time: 2:58:35
